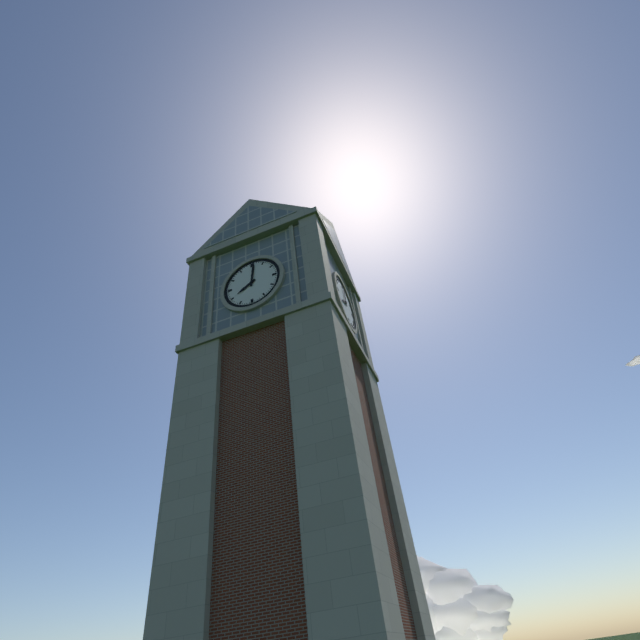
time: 8:01
